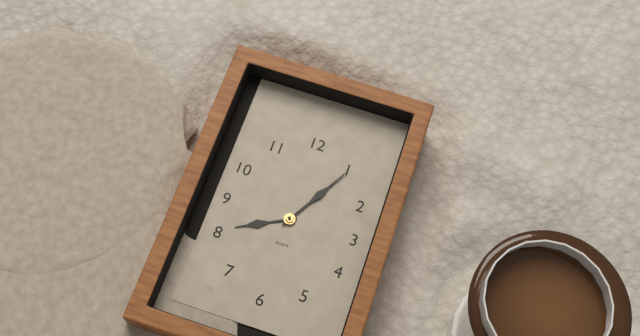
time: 8:05
